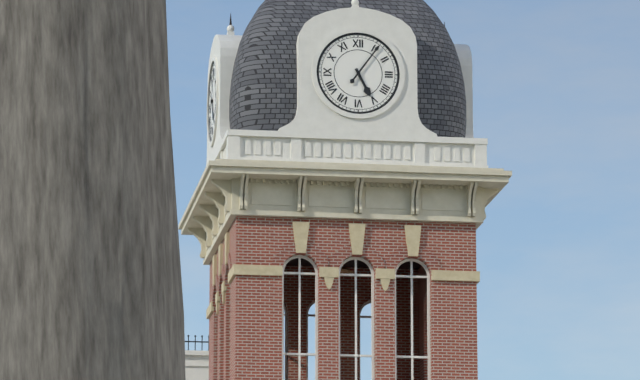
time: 5:06
